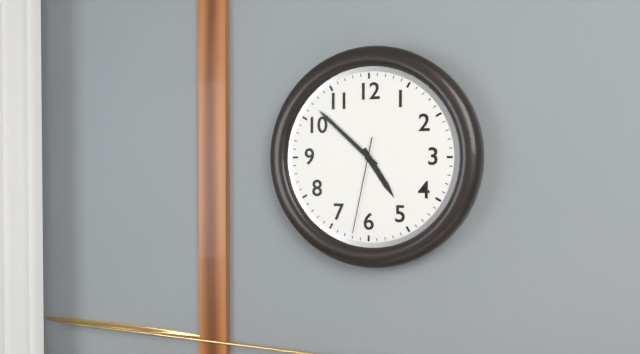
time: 4:52:32
